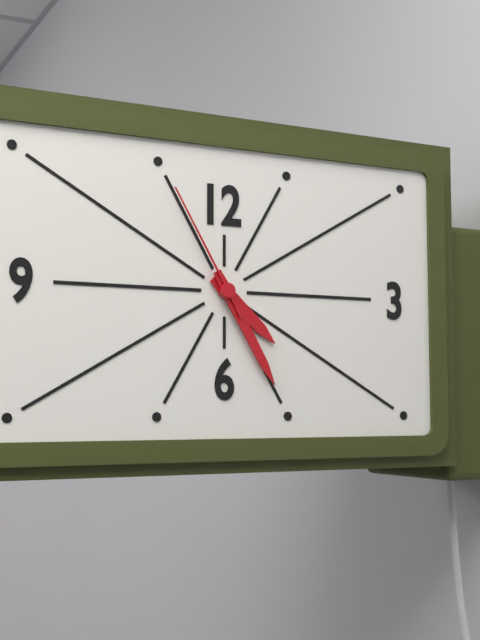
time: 4:25:55
